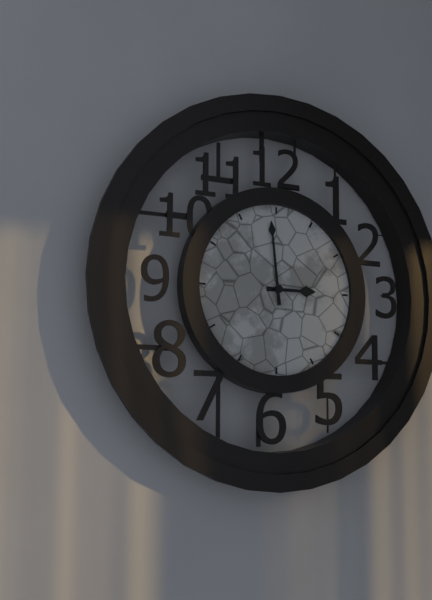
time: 2:59
